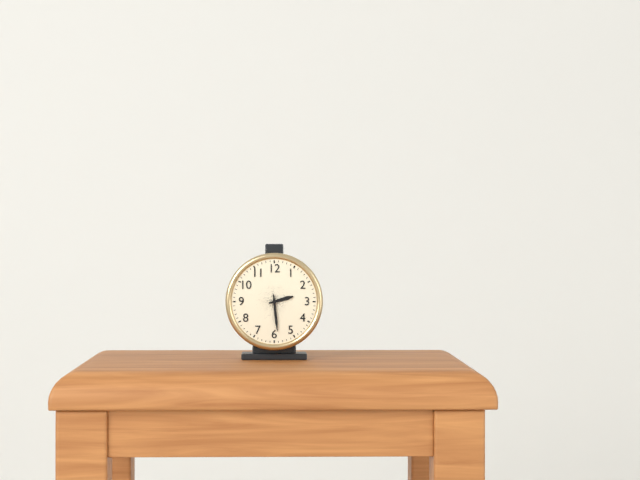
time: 2:29
